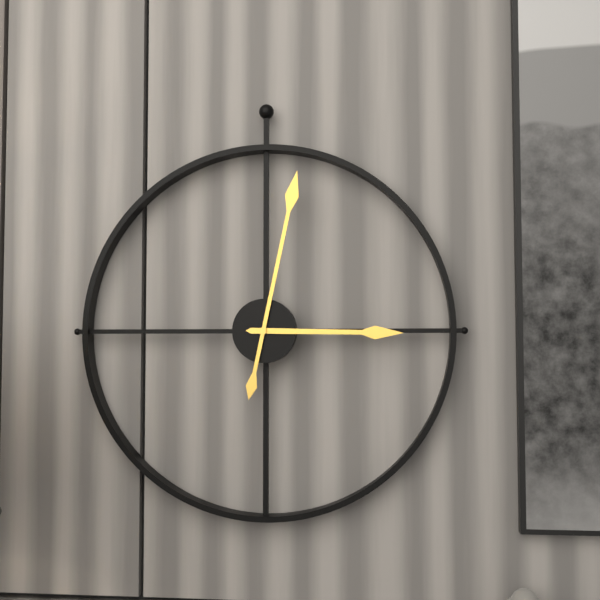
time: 3:02
